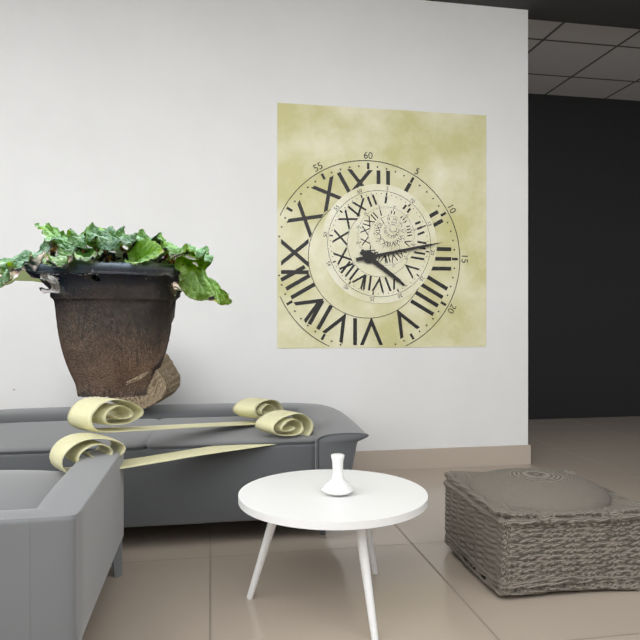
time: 4:13
